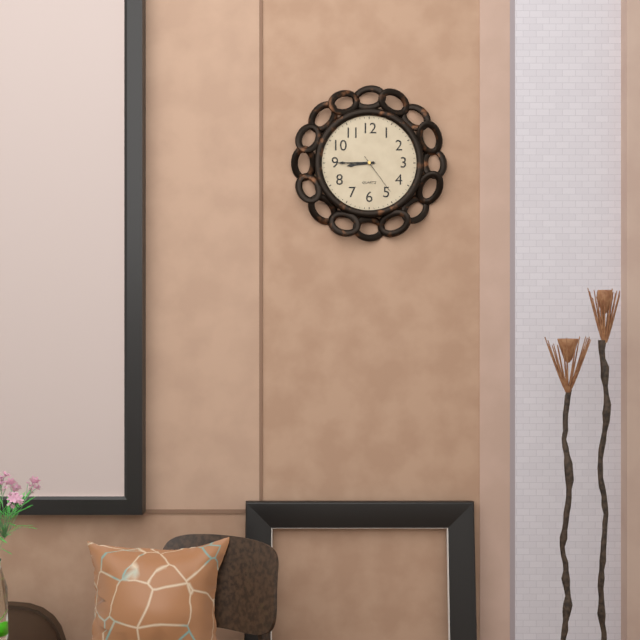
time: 8:45
